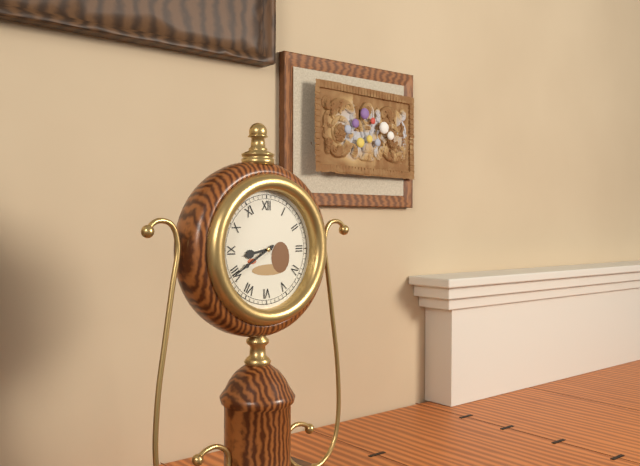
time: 8:40
